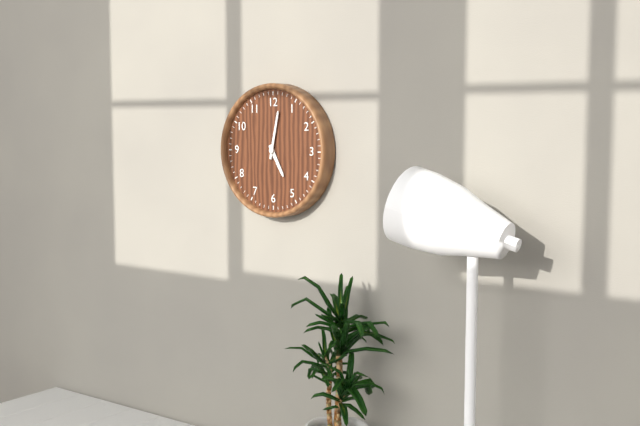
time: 5:02
